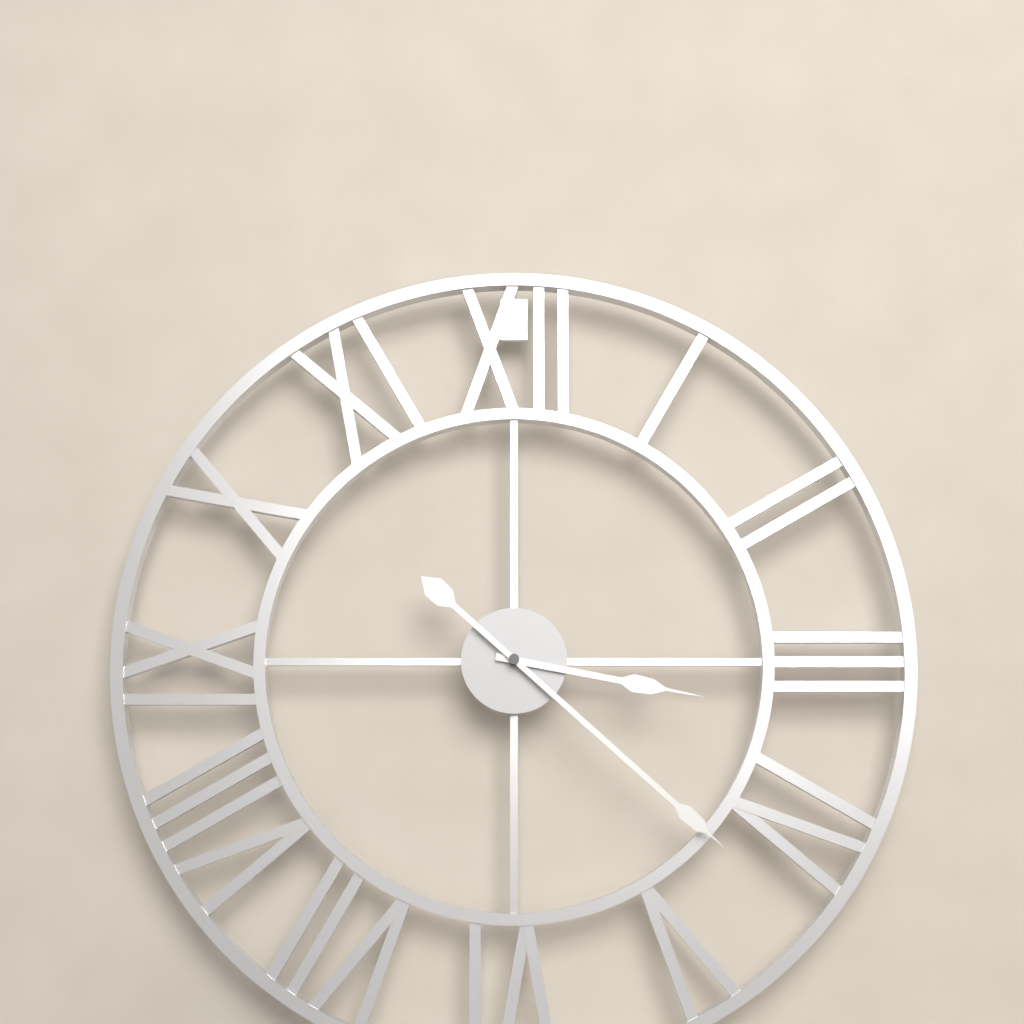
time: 3:22
